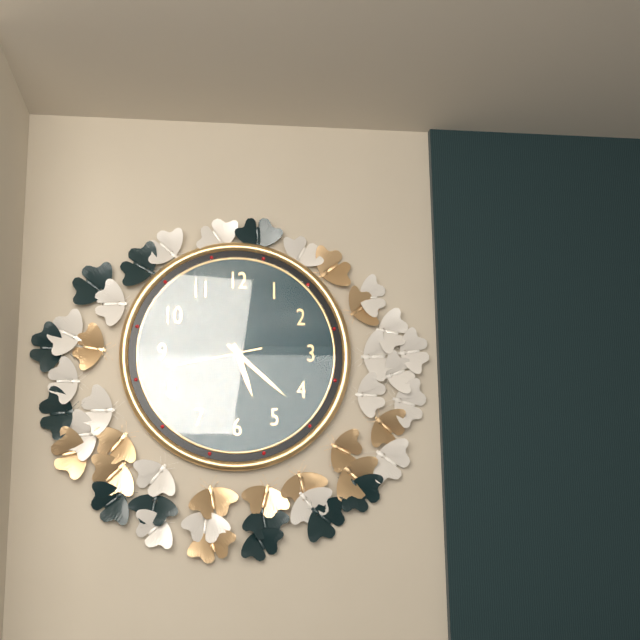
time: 5:22:43
